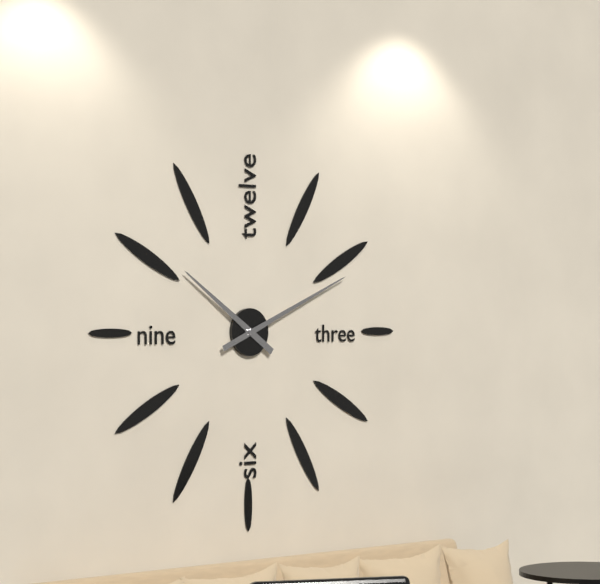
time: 10:11
